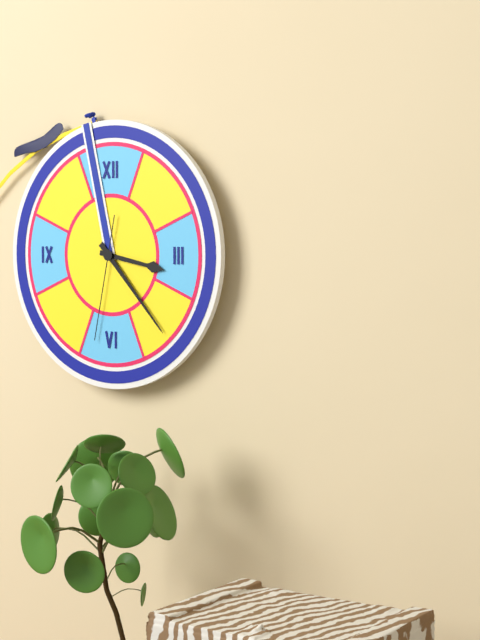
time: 3:23:32
